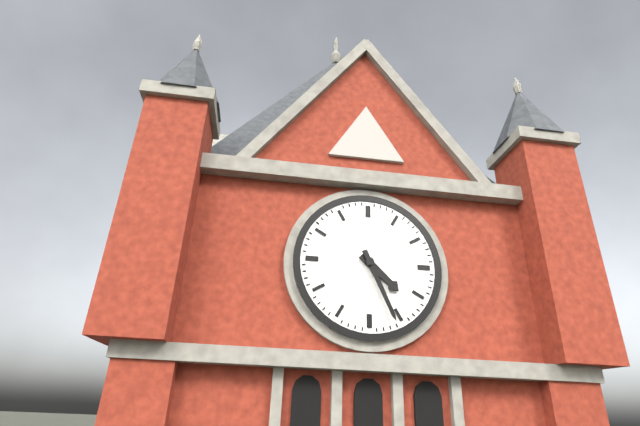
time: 4:26
